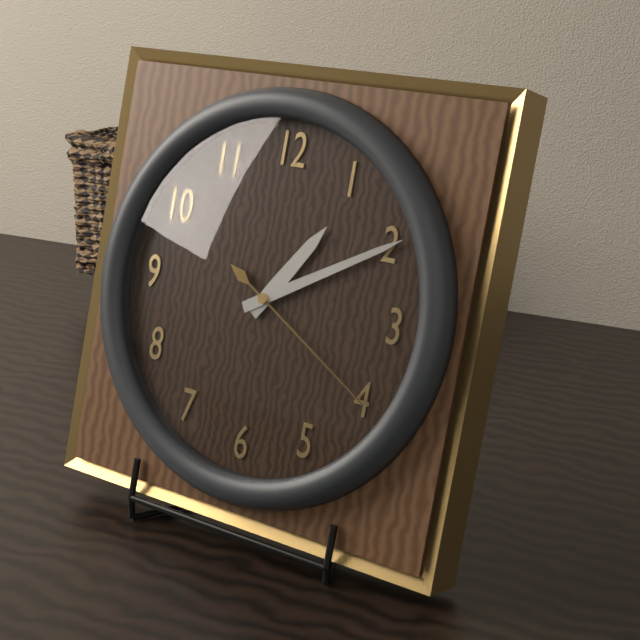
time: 1:10:20
